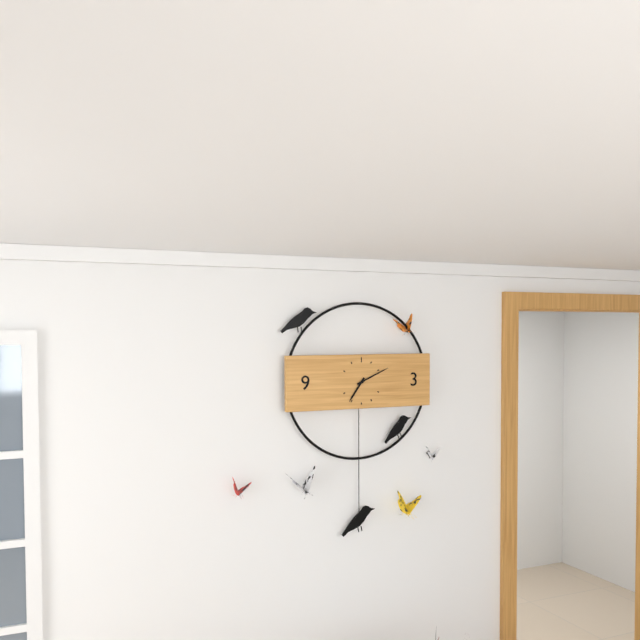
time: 7:11
